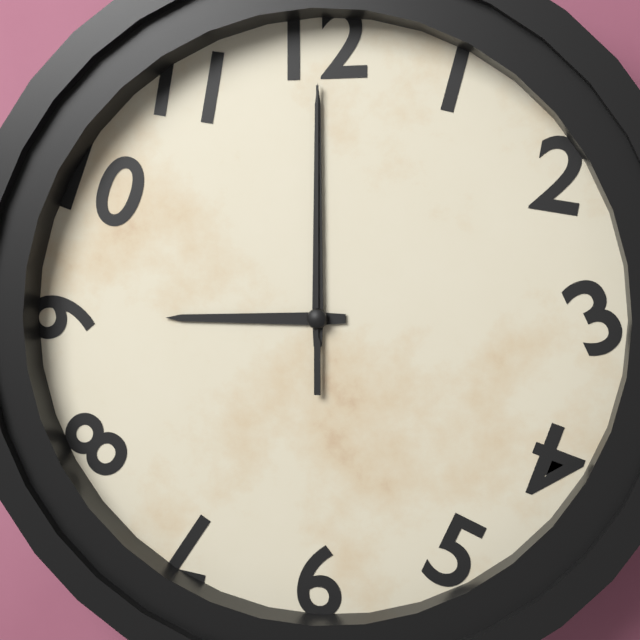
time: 9:00:00
